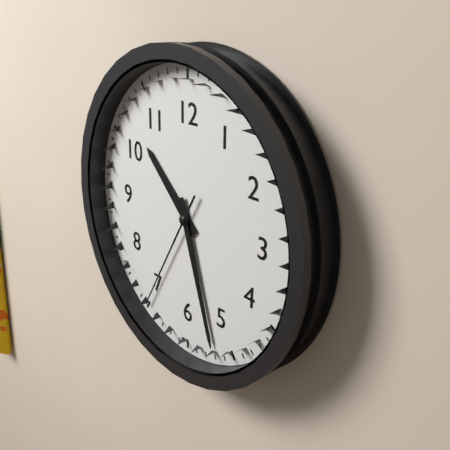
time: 10:27:35
